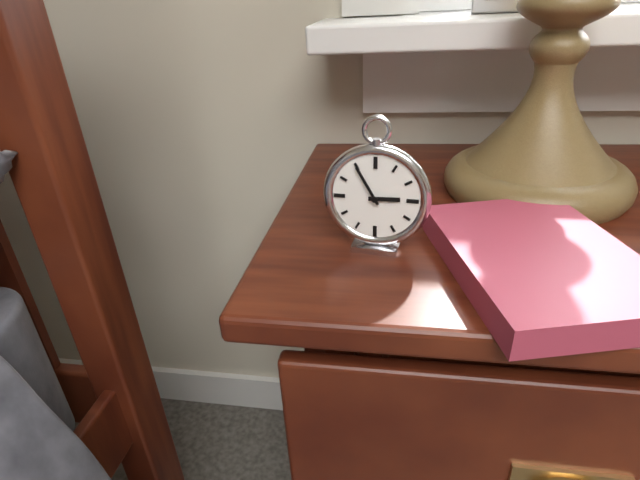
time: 2:55
